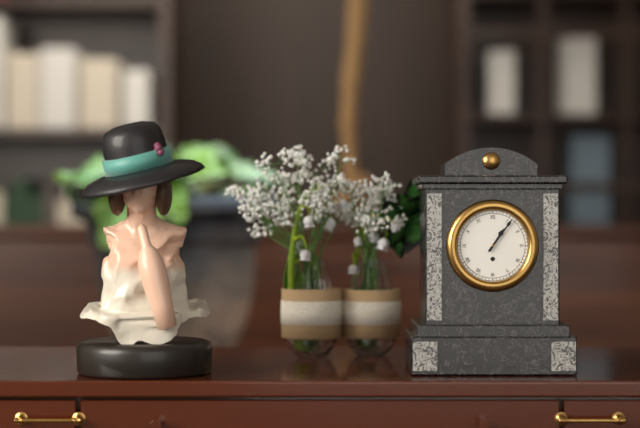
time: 1:06
